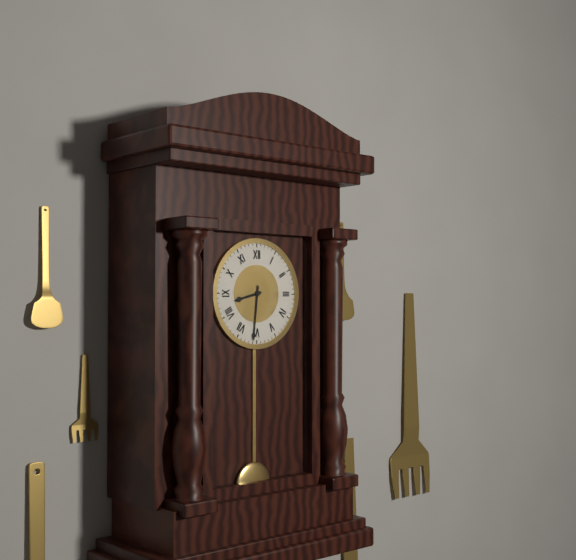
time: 8:31
